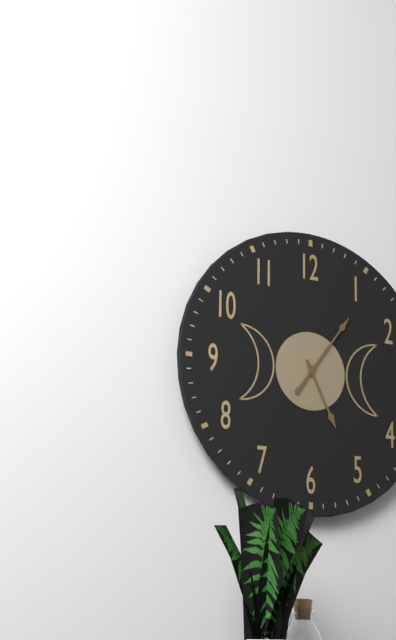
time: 5:06
